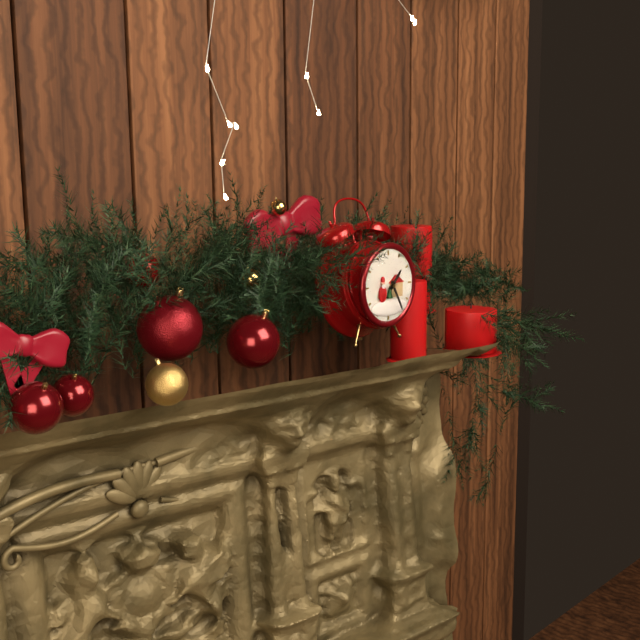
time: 1:25
